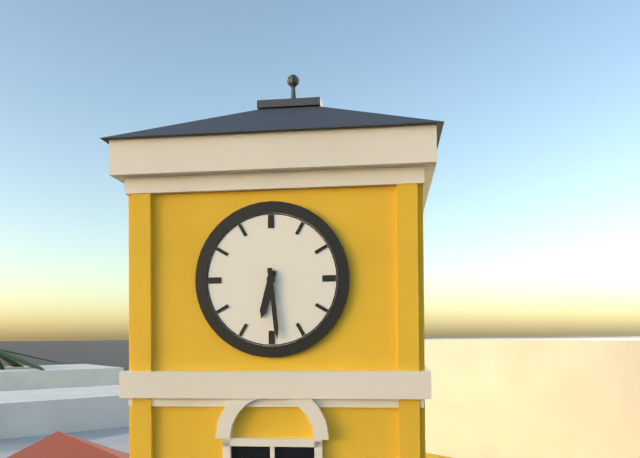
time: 6:29
